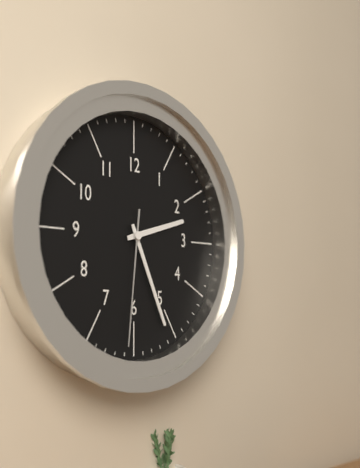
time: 2:26:31
